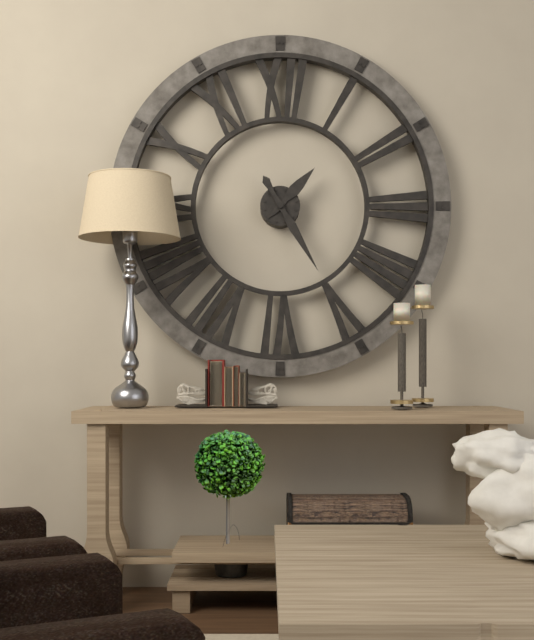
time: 1:25
